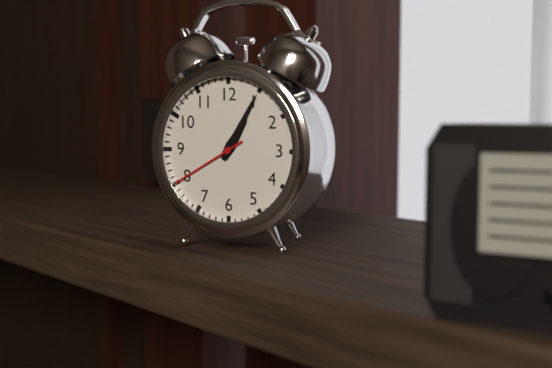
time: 1:05:40
